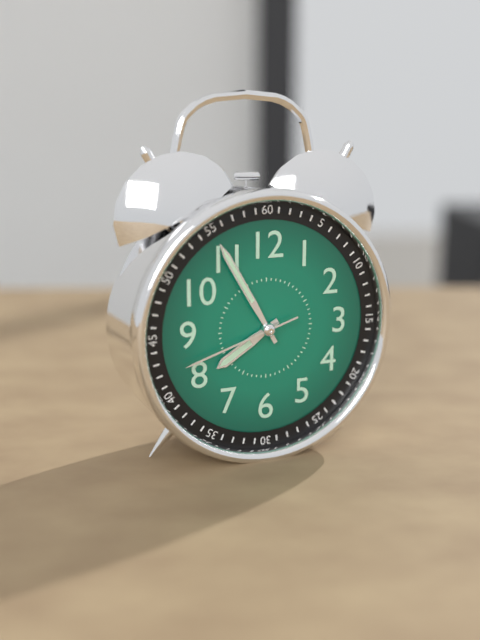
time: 7:55:42
